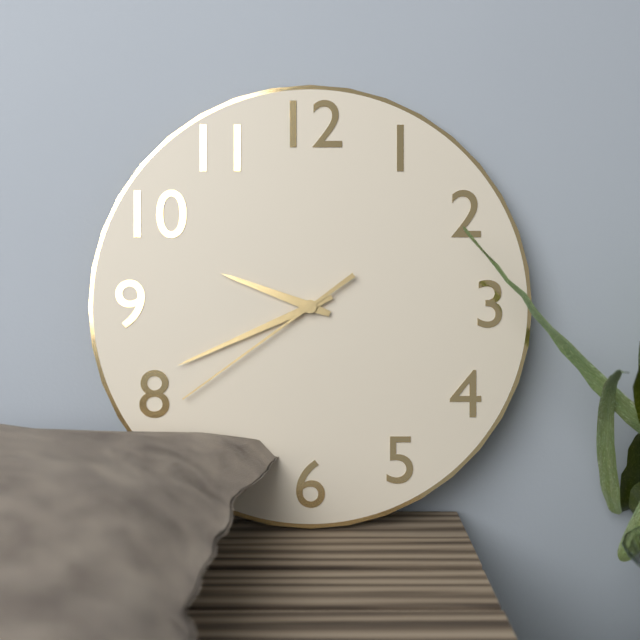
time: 9:41:39
